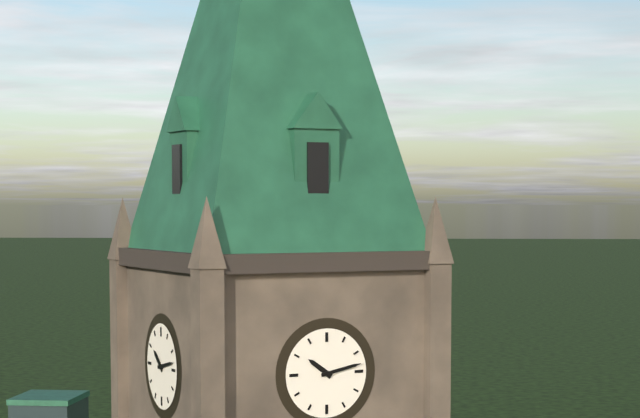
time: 10:13
